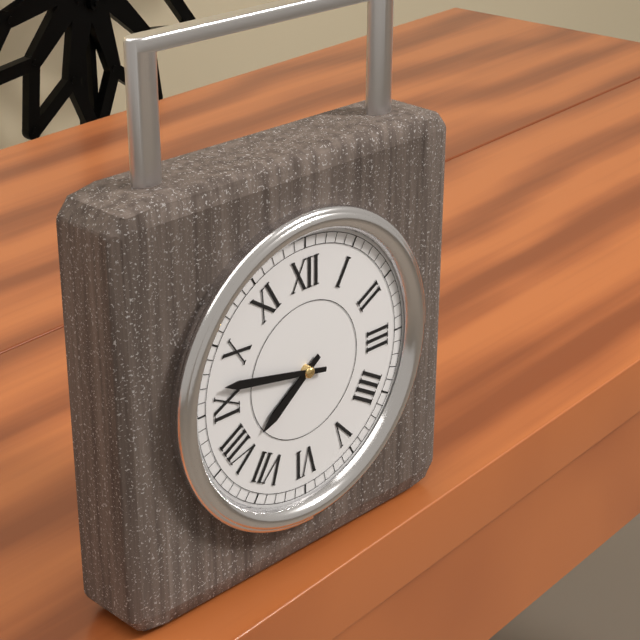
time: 7:47
